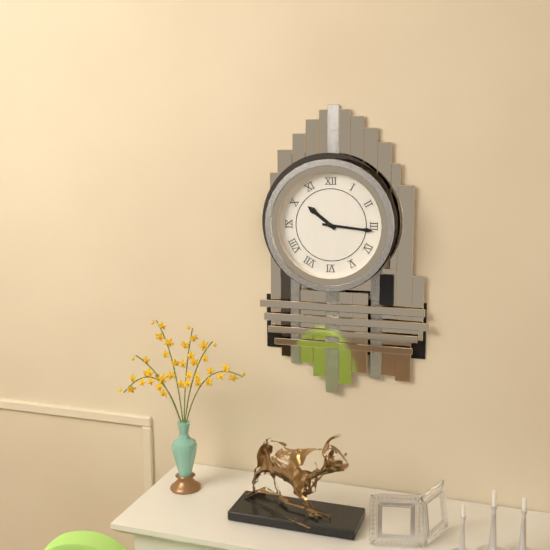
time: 10:16
